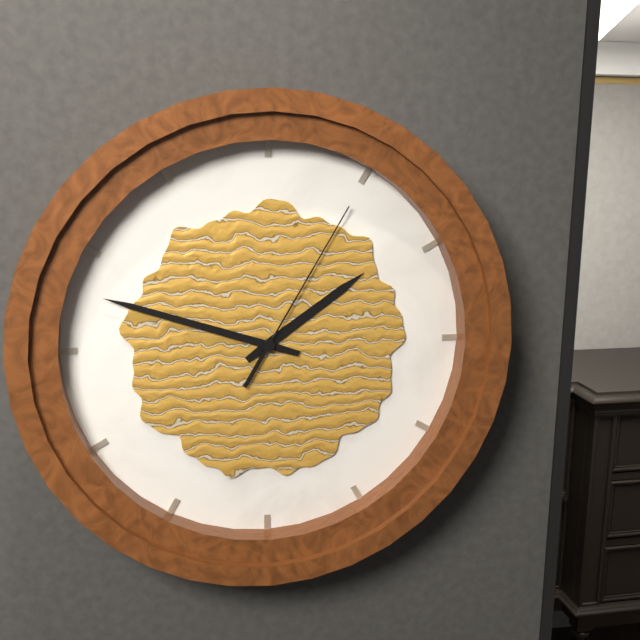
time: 1:48:05
